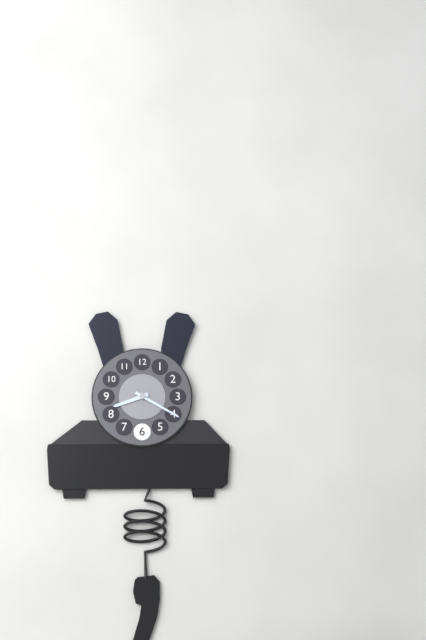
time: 8:20
